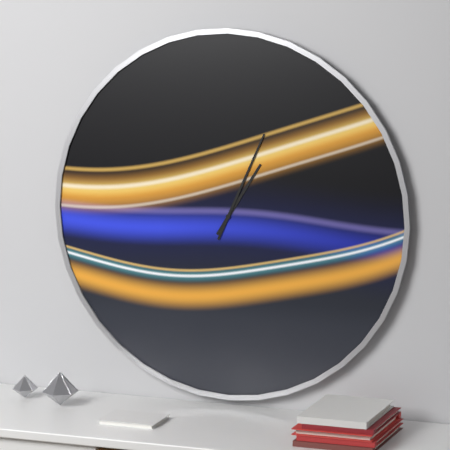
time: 1:04
